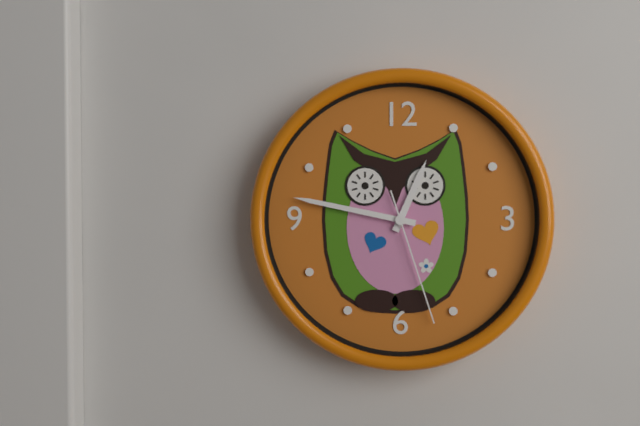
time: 12:47:27
